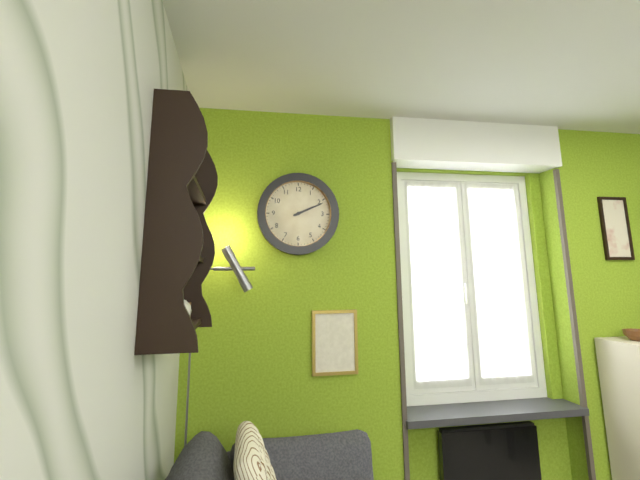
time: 2:11
